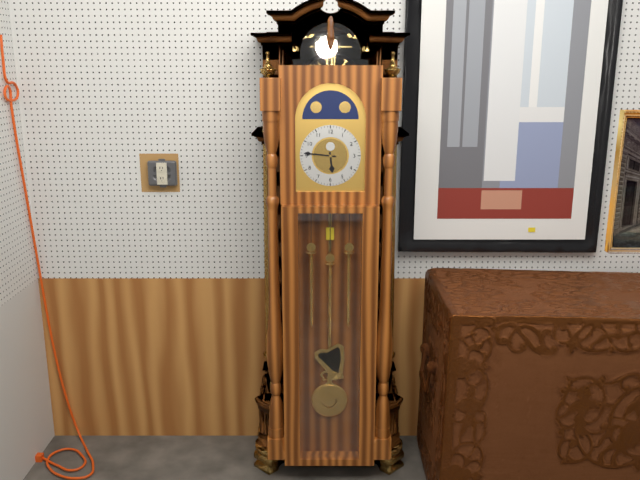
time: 5:46
